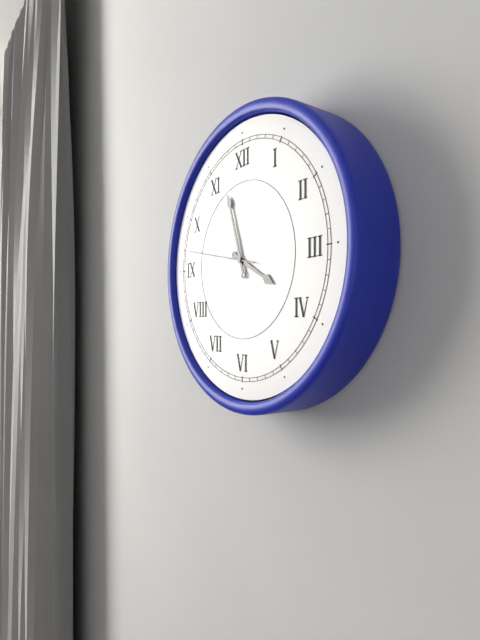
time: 3:57:47
